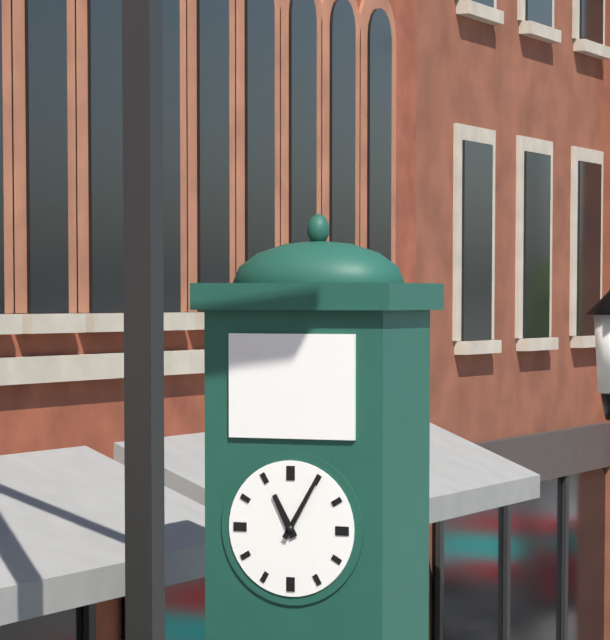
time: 11:05
